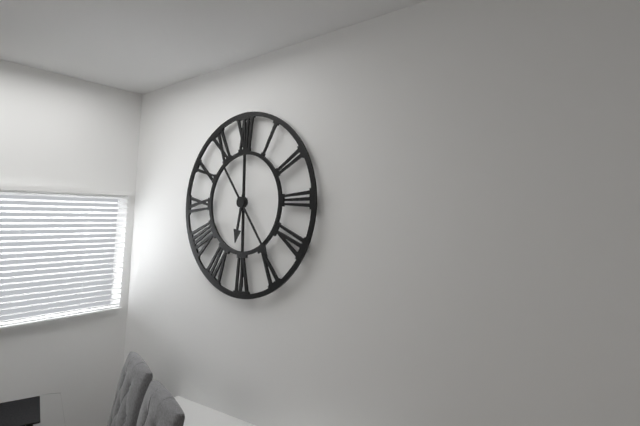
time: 6:24
